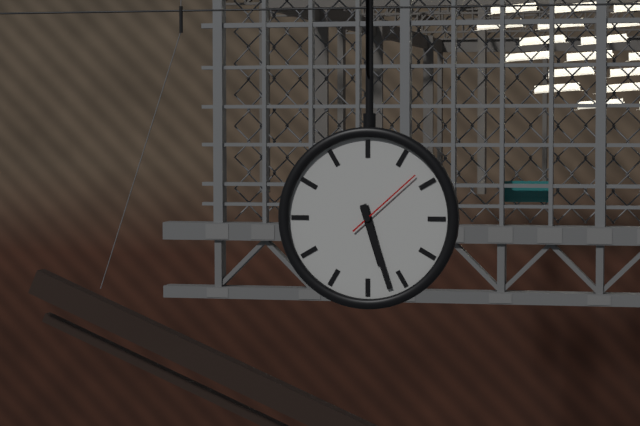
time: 5:27:08
